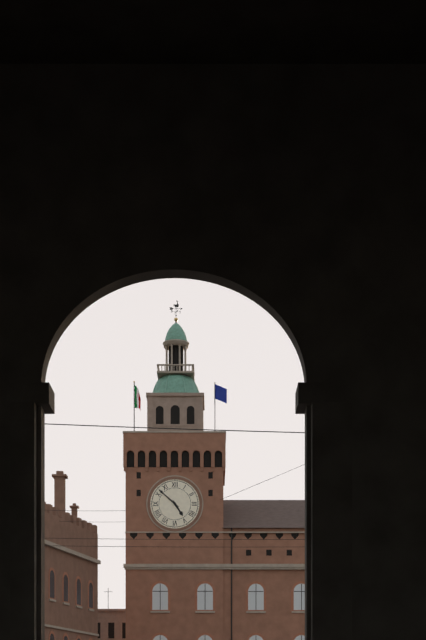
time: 4:52
